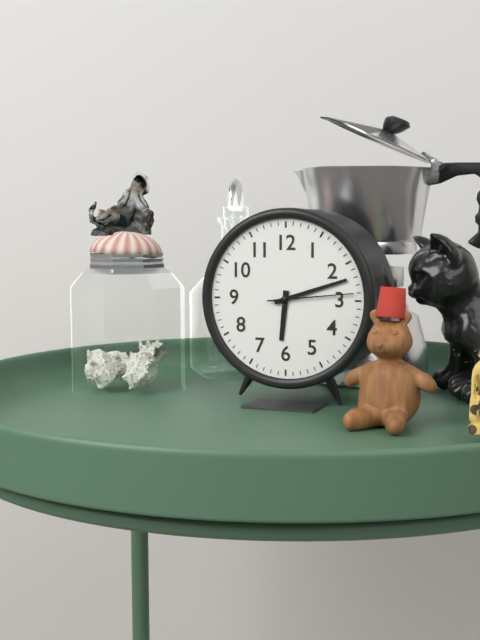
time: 6:12:14
